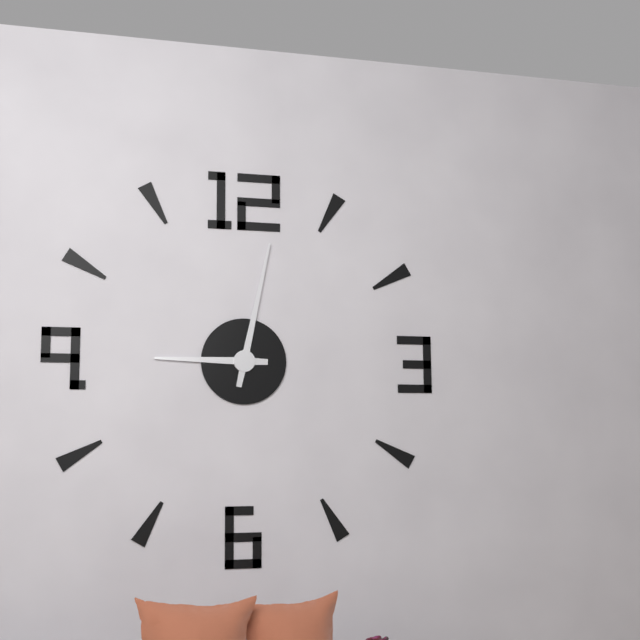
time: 9:02
